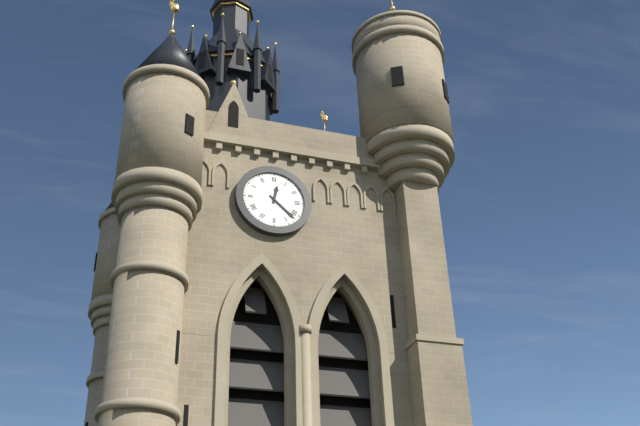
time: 12:22
